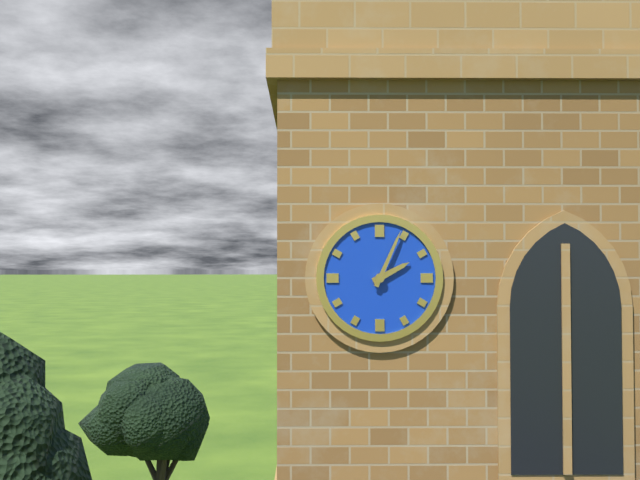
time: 2:04
